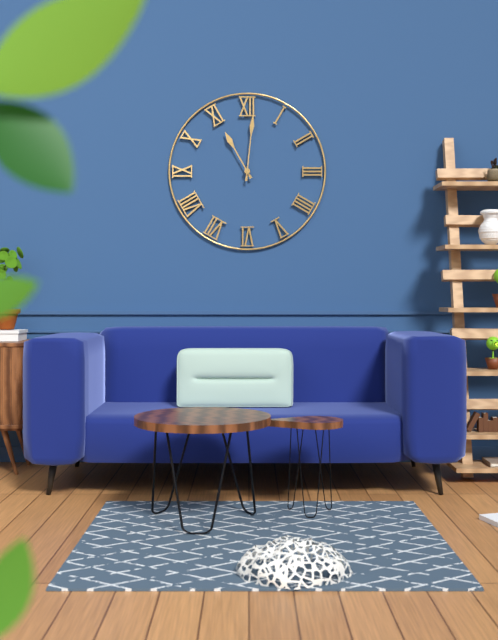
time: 11:01
